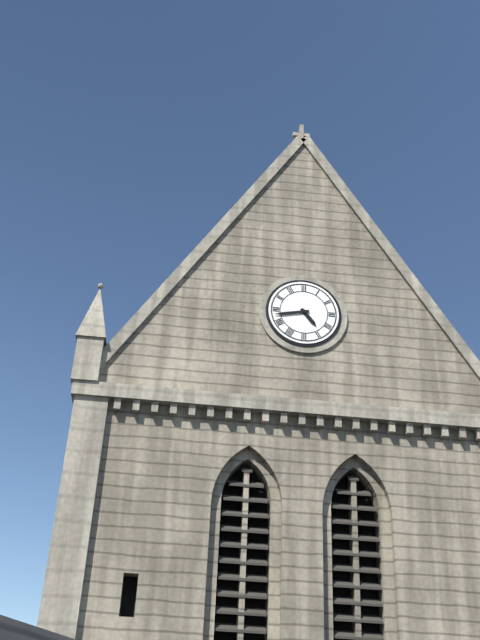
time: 4:43
